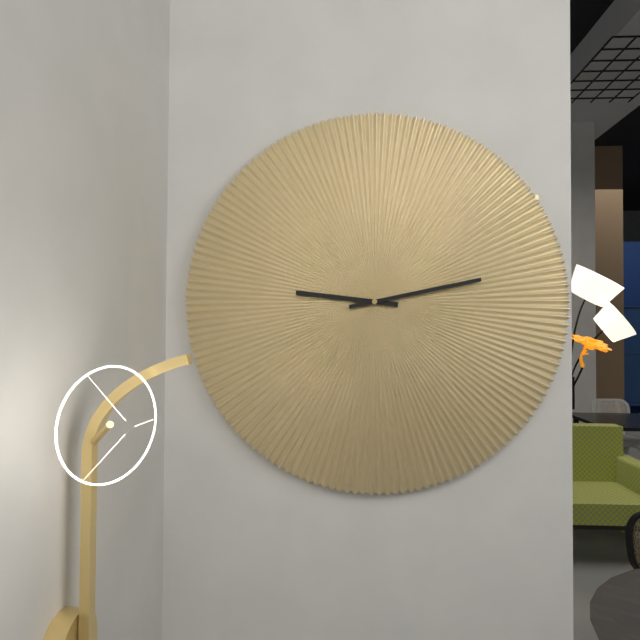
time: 9:13
